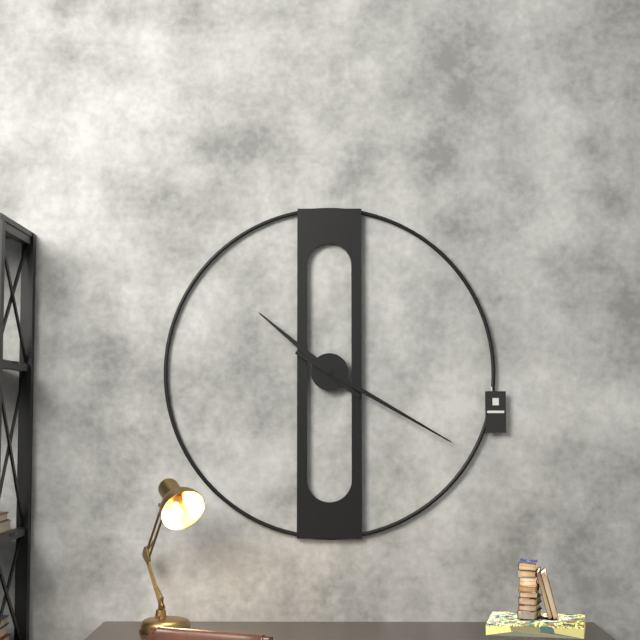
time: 10:20
